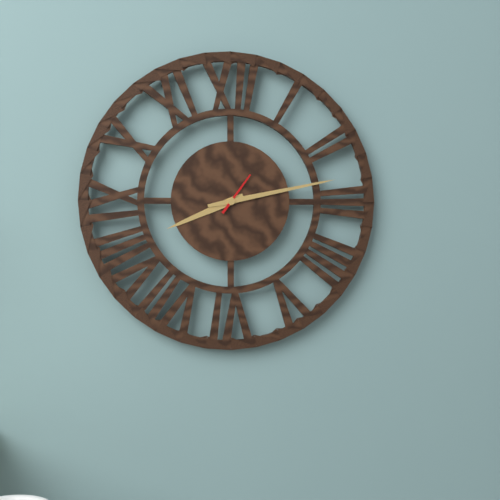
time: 8:13
